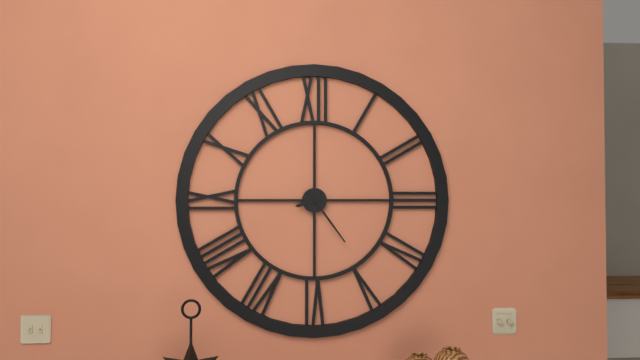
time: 8:24
